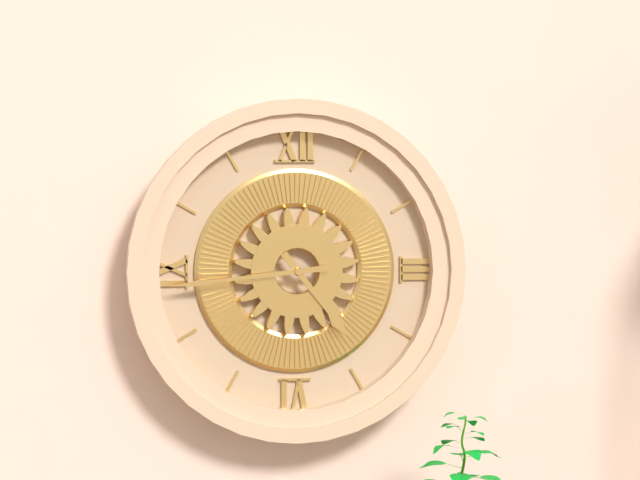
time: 4:44
